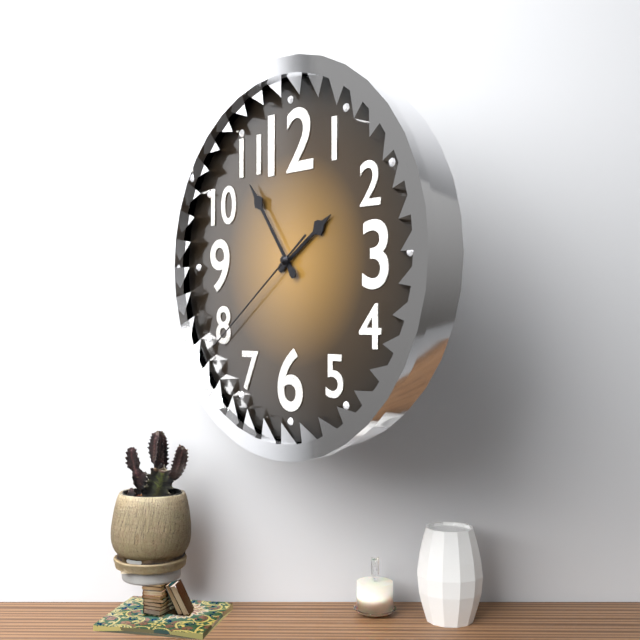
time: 1:54:39
